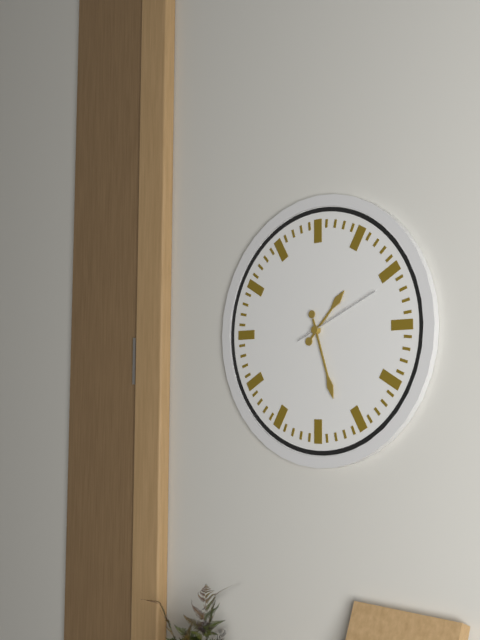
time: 1:27:11
